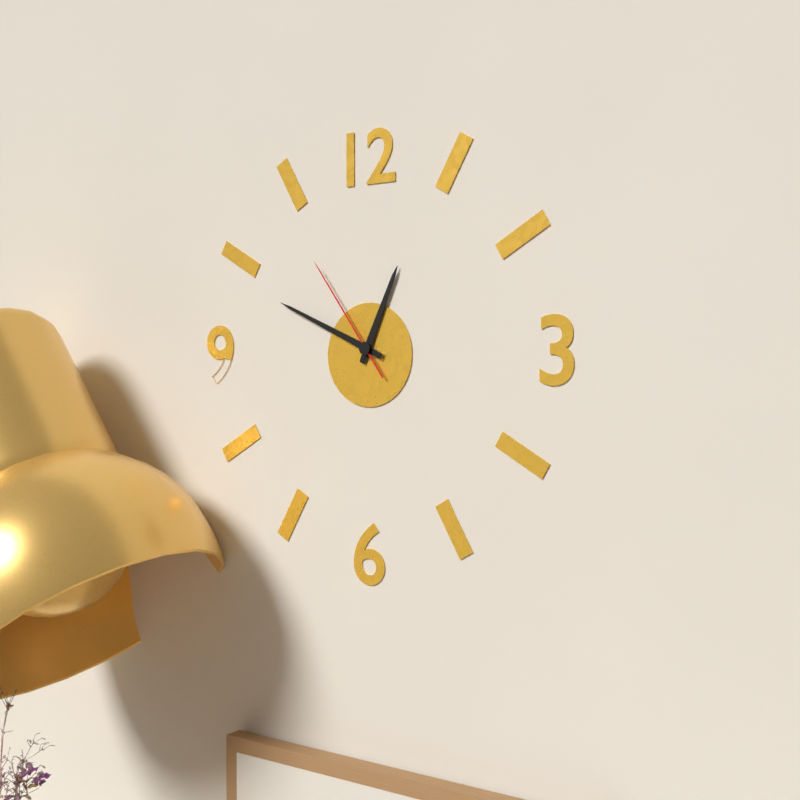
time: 12:49:54
